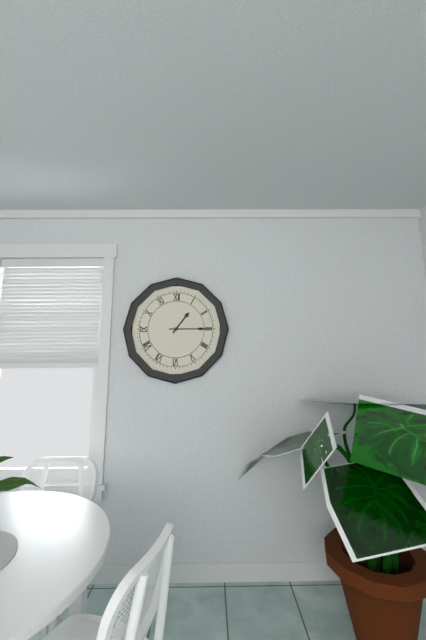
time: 1:15
